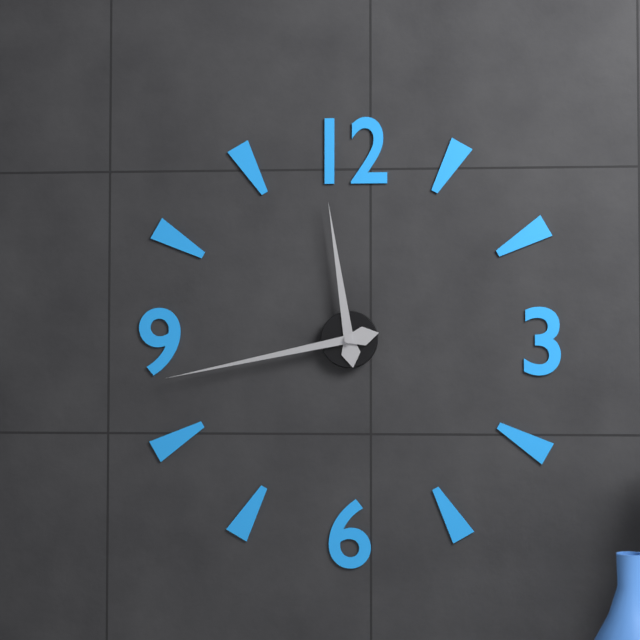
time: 11:43
